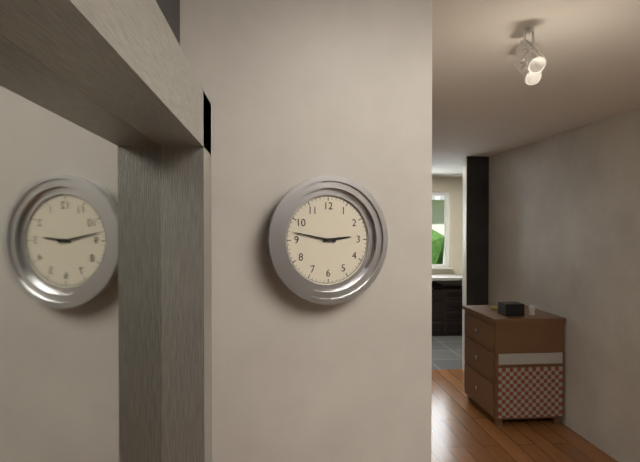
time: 2:47
